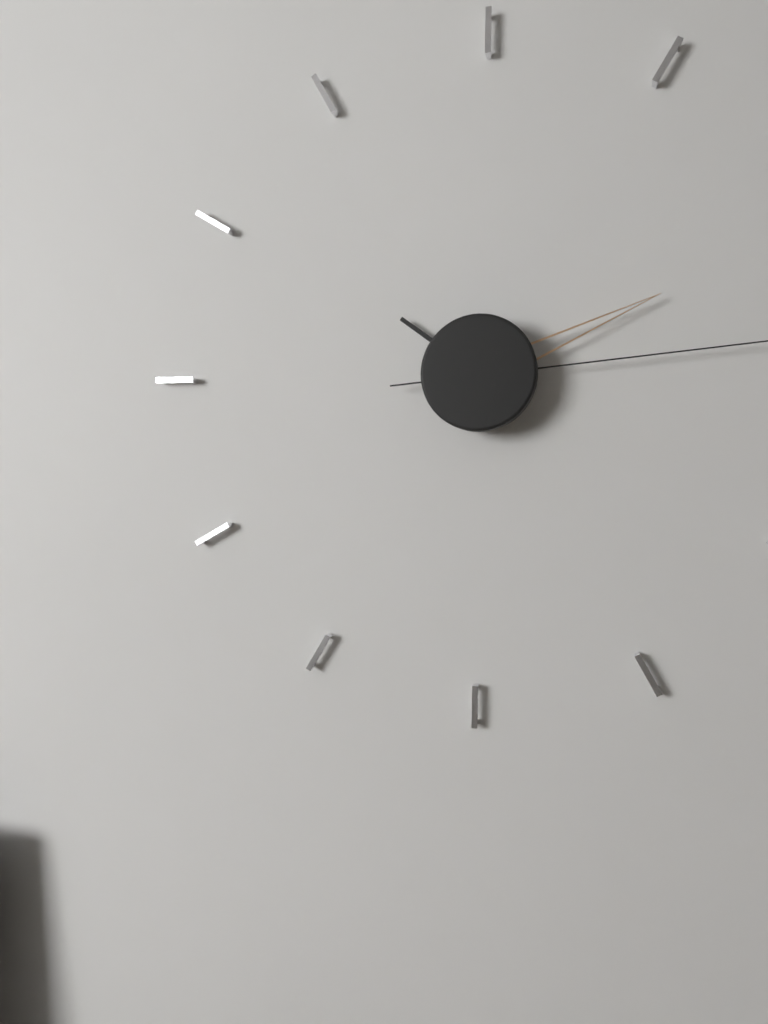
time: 10:11
